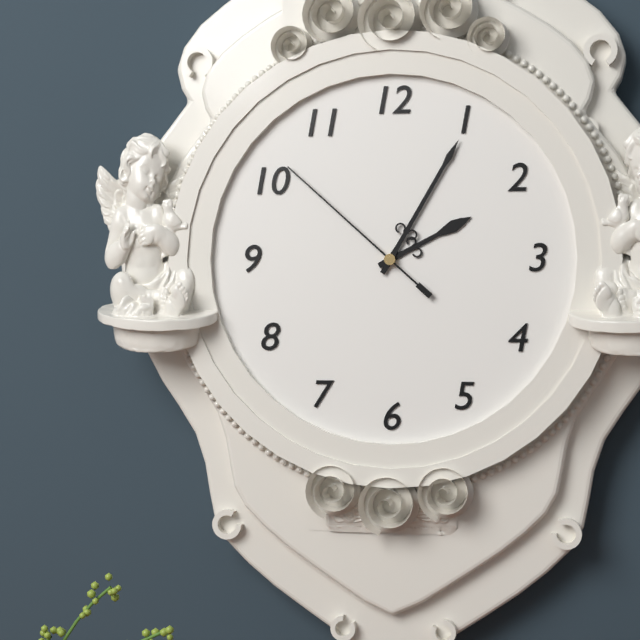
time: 2:05:52
